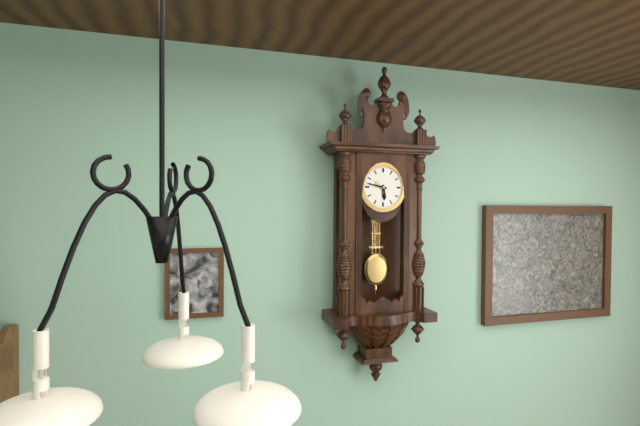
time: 5:47
